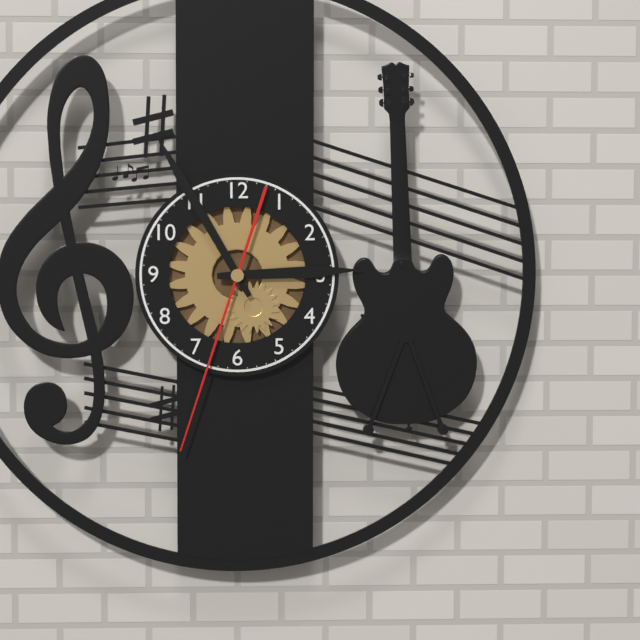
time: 2:55:33
